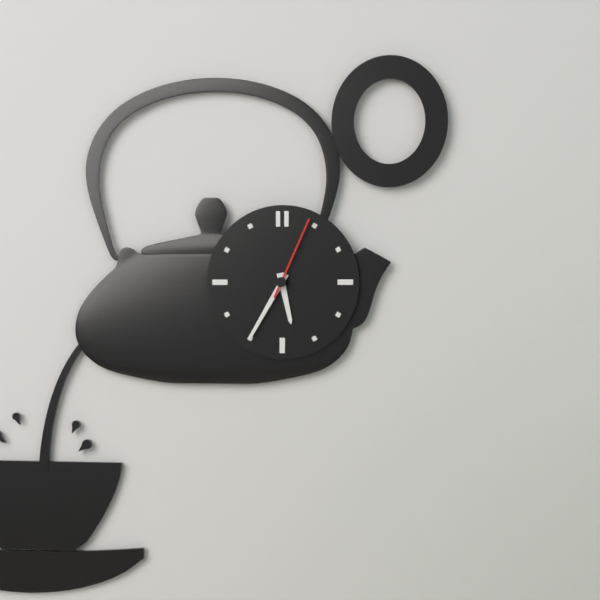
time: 5:35:04
